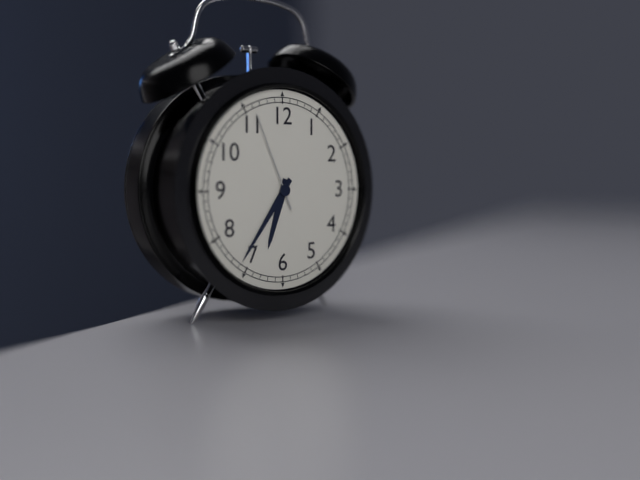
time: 6:36:56
